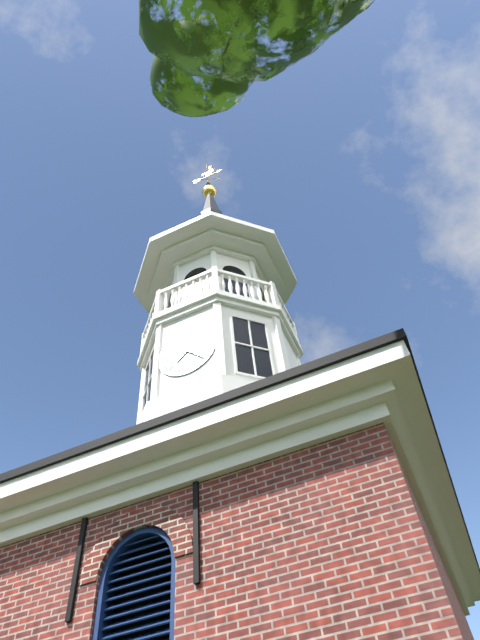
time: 7:23
